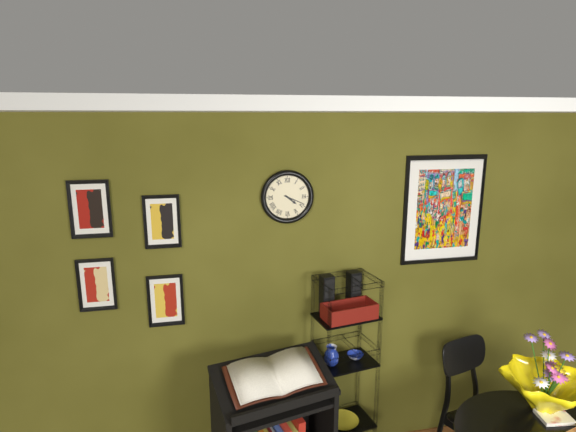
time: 4:19
